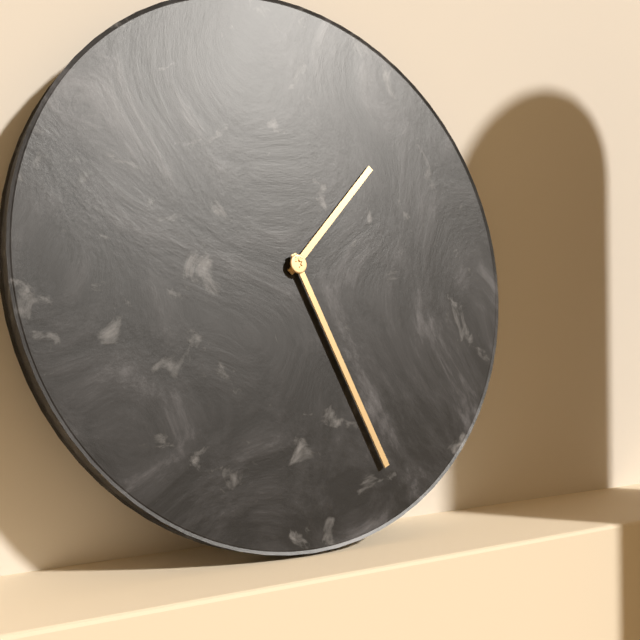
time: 1:26
